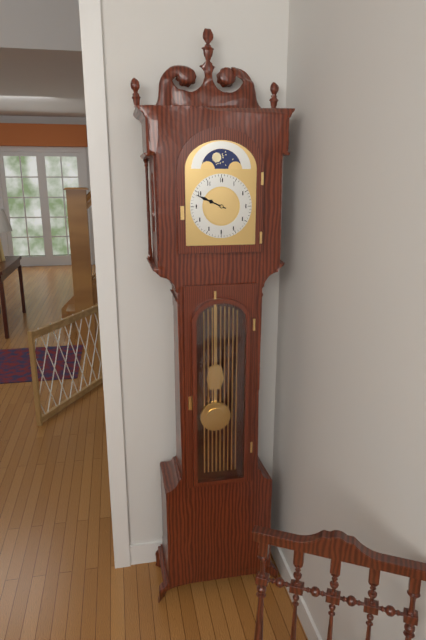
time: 9:49
